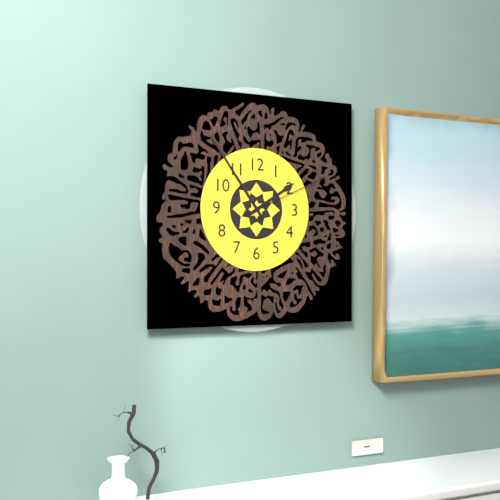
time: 1:54:11
